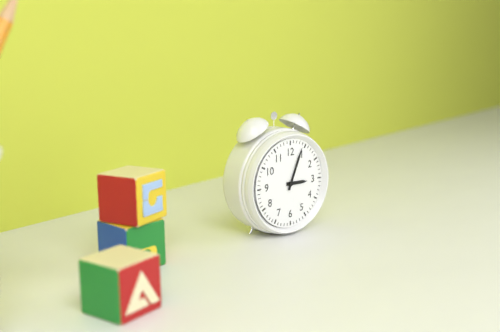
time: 3:04
